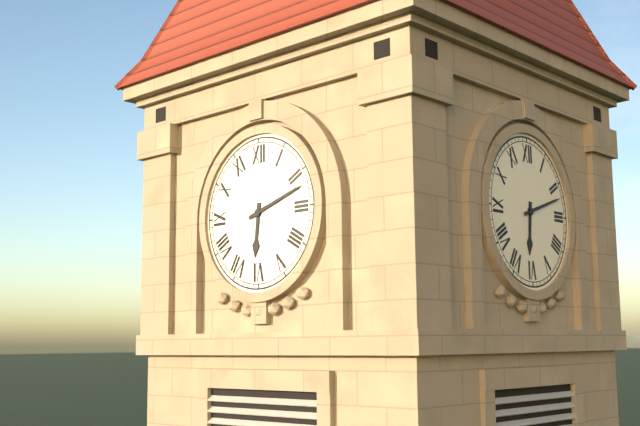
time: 6:12
